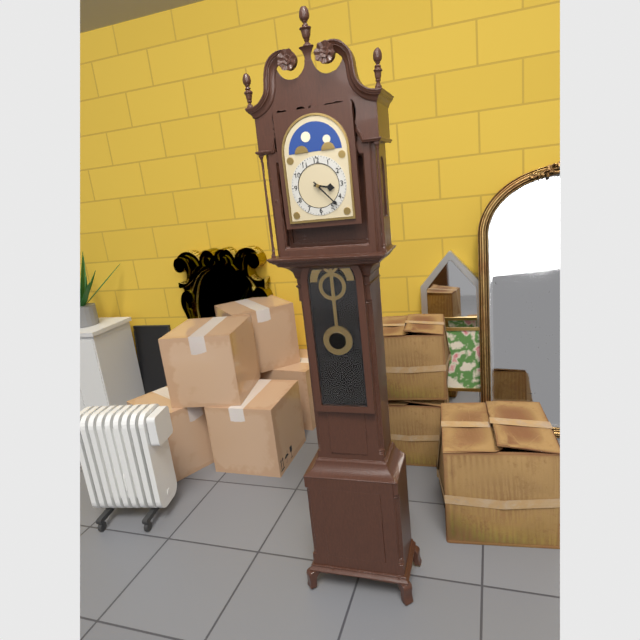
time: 3:23
